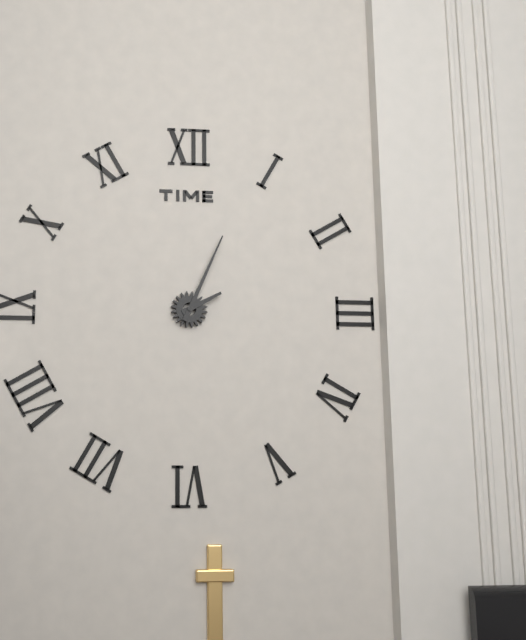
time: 2:04
